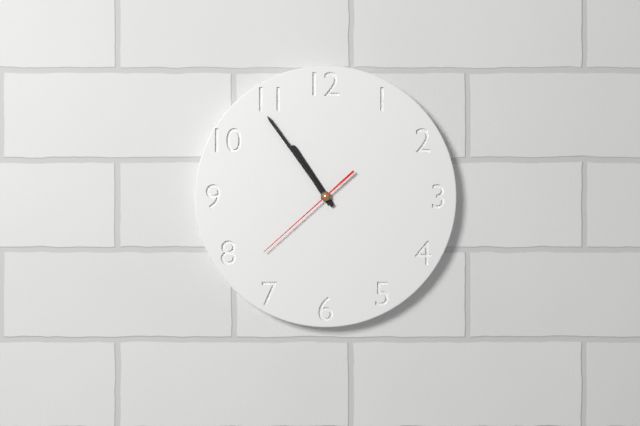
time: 10:54:38
